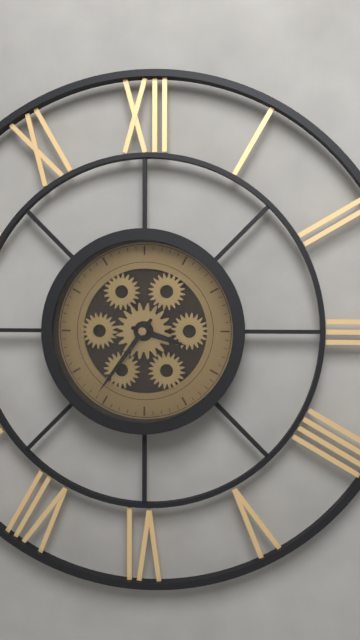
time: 3:36
